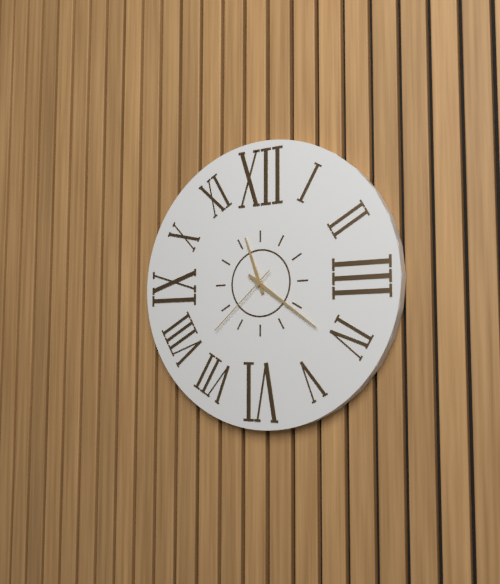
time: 11:21:38
